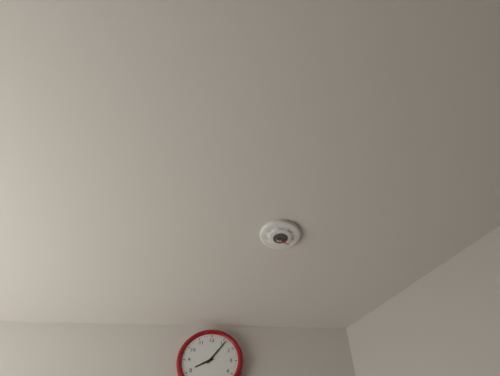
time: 8:06
